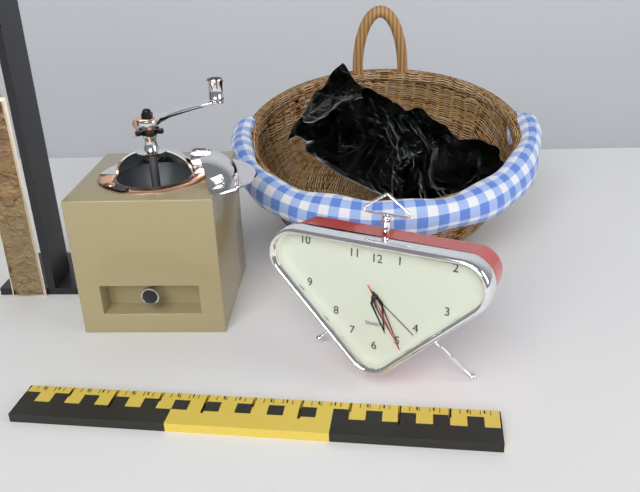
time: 5:25:25
